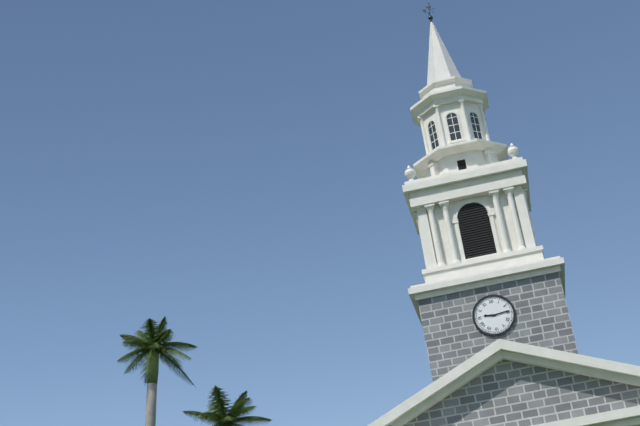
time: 9:14
